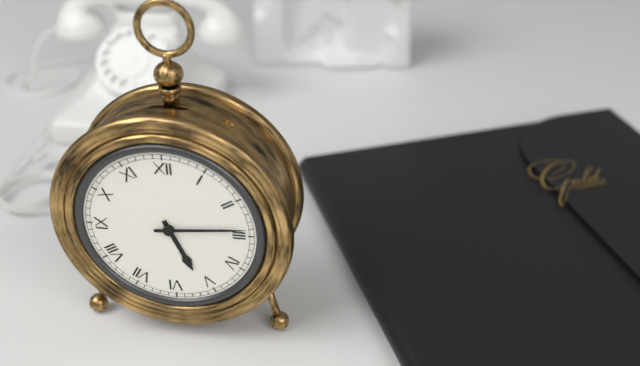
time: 5:14
